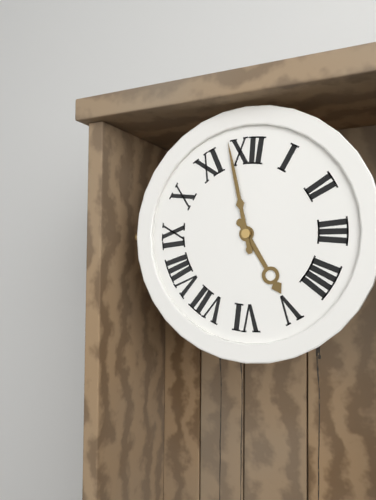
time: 4:58
